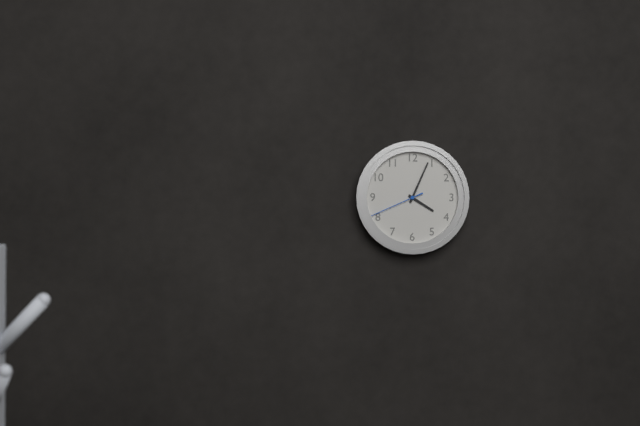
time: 4:04:41
